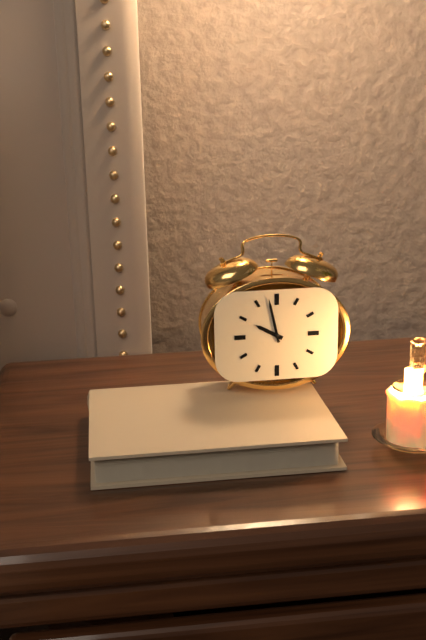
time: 9:58
